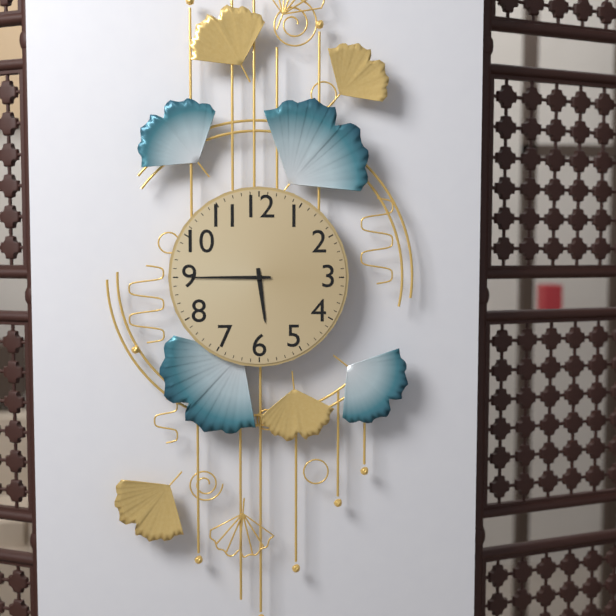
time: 5:45
